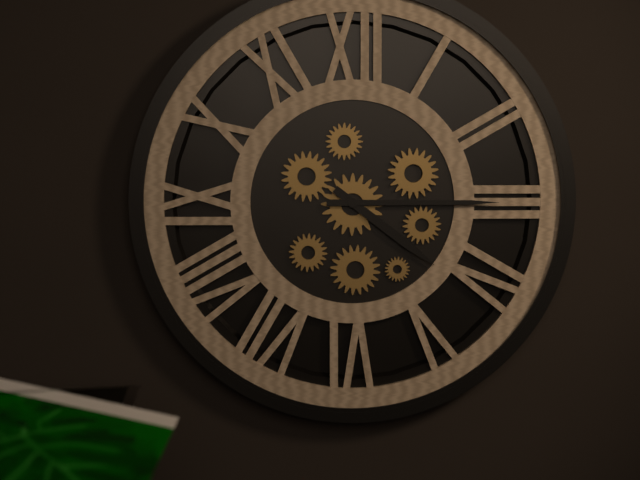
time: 4:15
